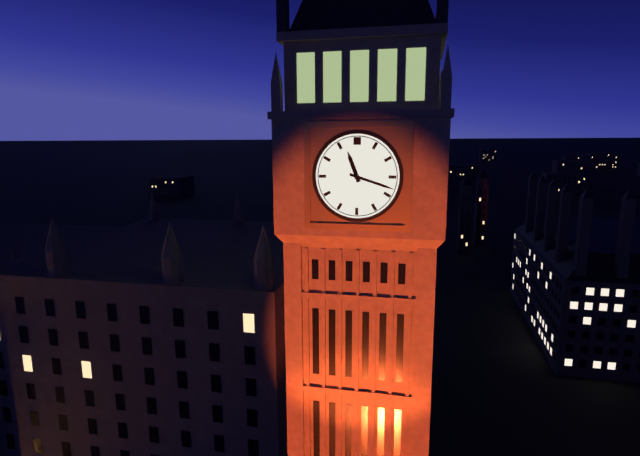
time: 11:18
